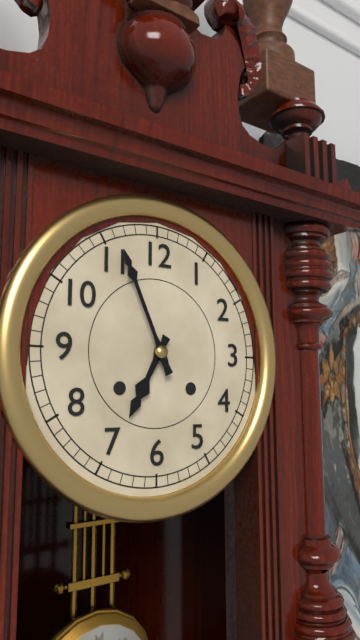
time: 6:56
